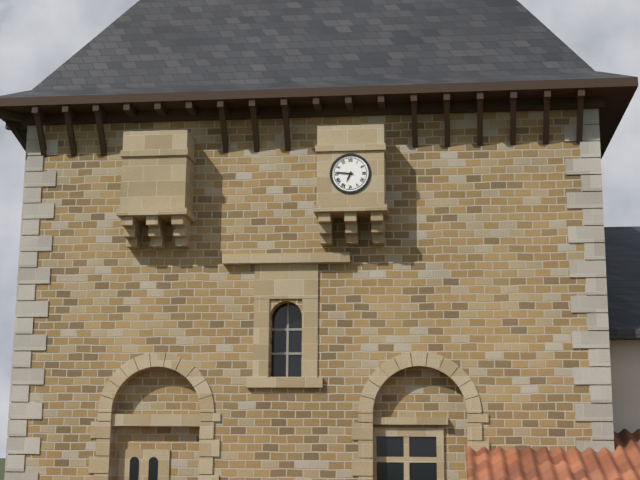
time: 6:46
